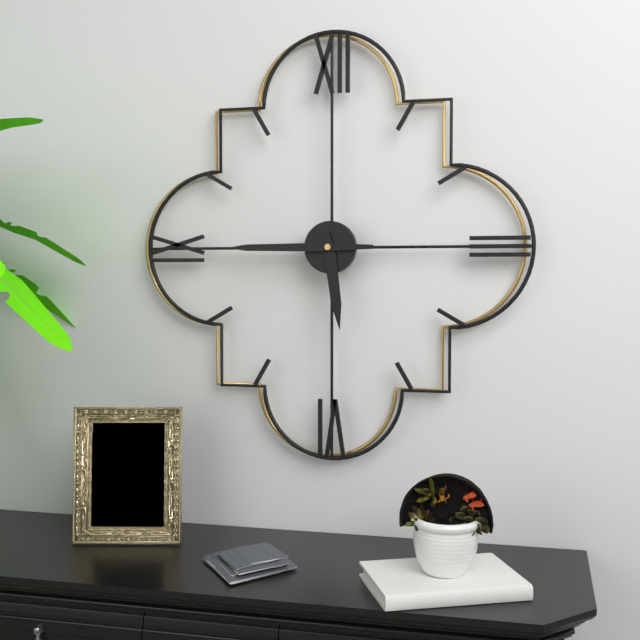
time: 5:45
